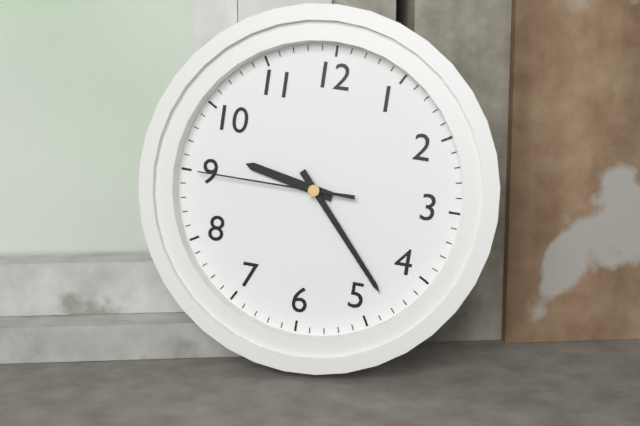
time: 9:23:45
